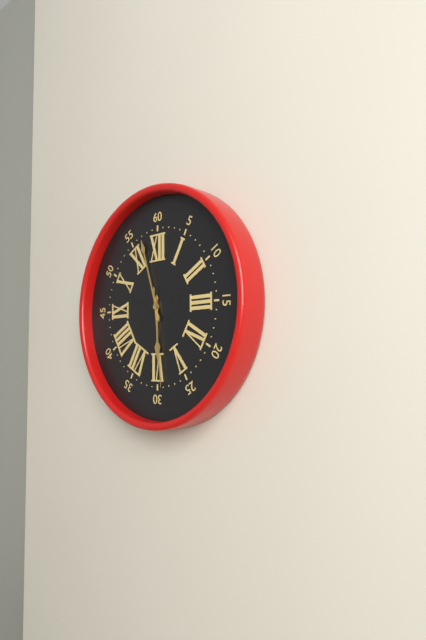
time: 5:57:29
